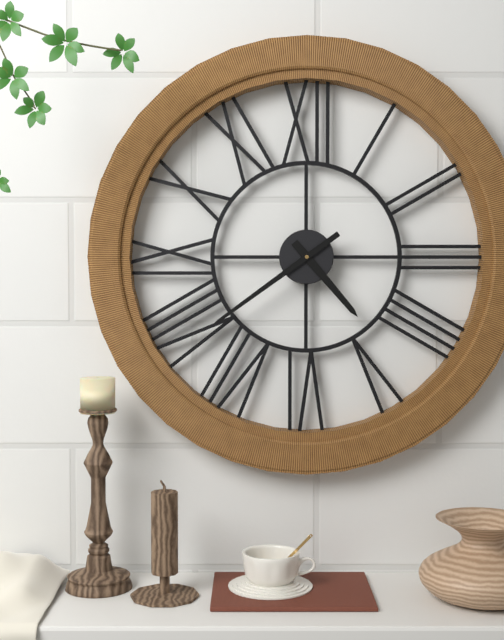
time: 4:39
